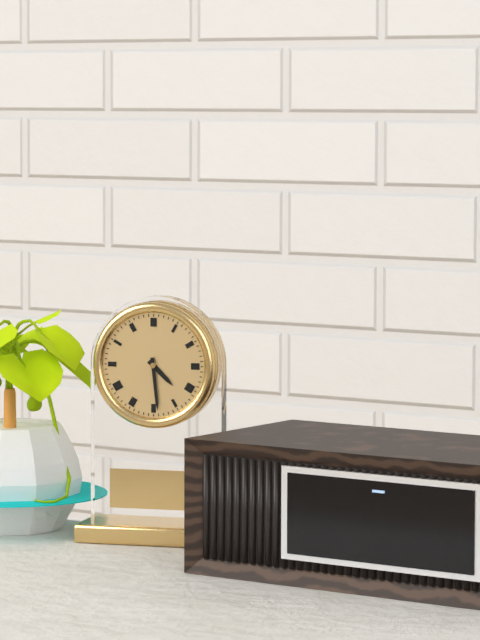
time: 4:29
